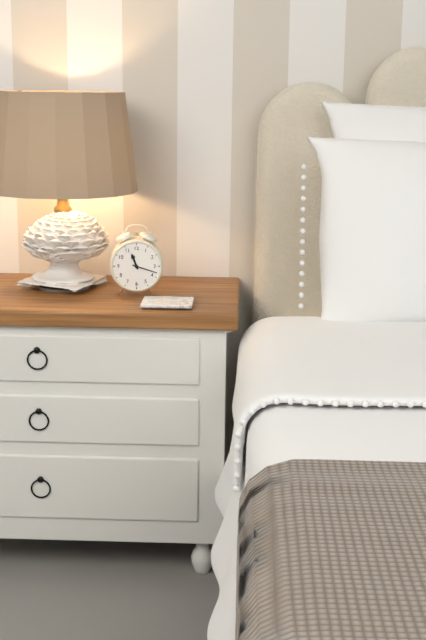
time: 11:18
